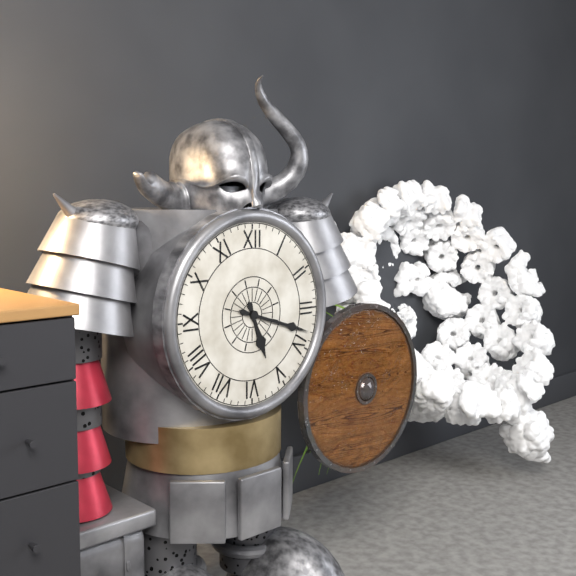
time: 5:18
